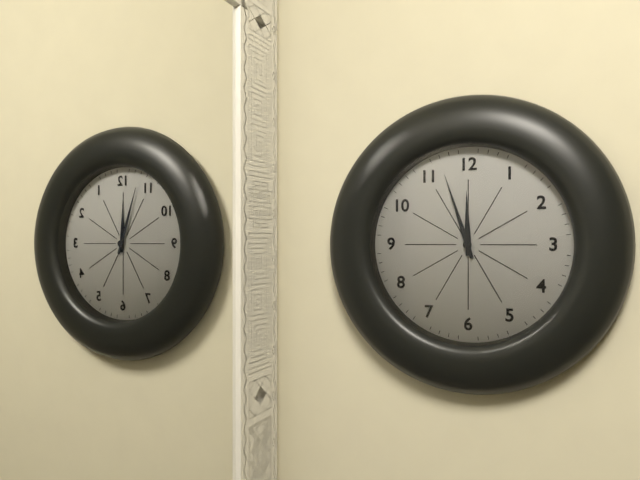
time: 11:57
